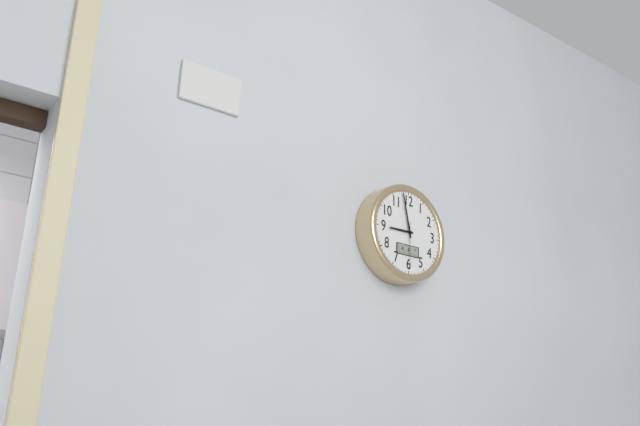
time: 8:58
